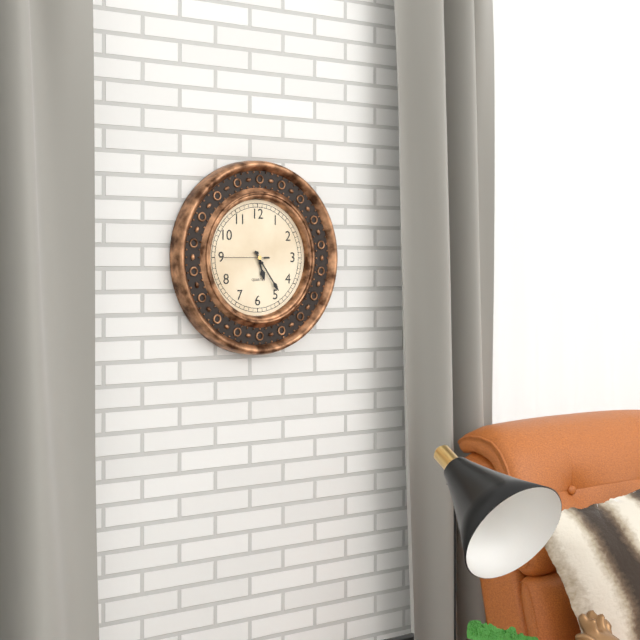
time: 5:24
